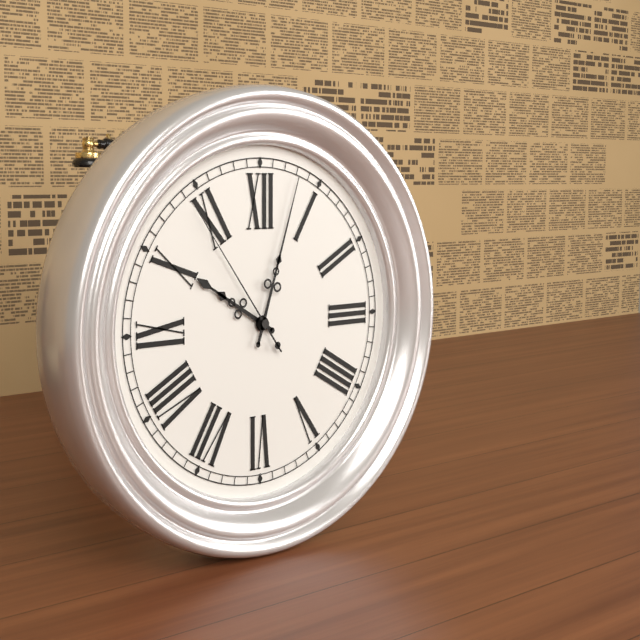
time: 10:03:54
